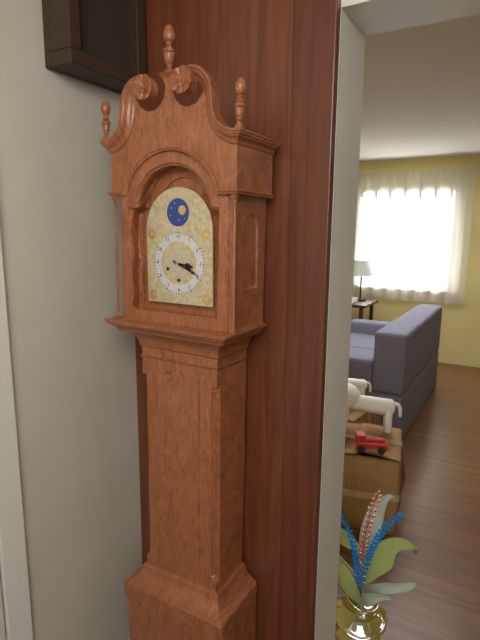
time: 3:19
